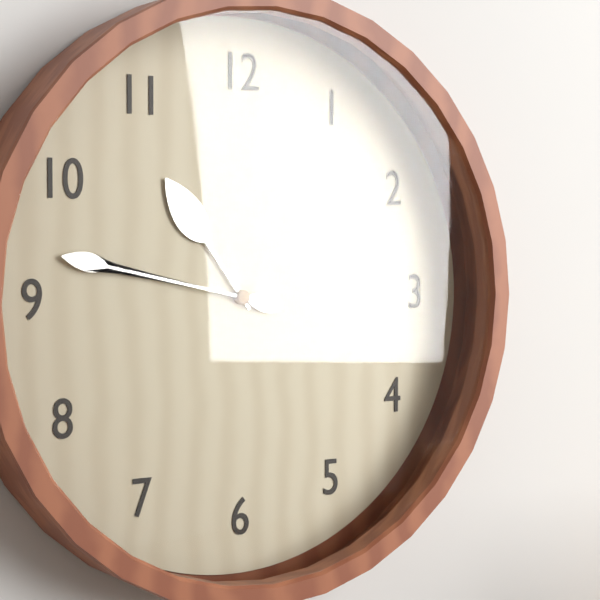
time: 10:47
